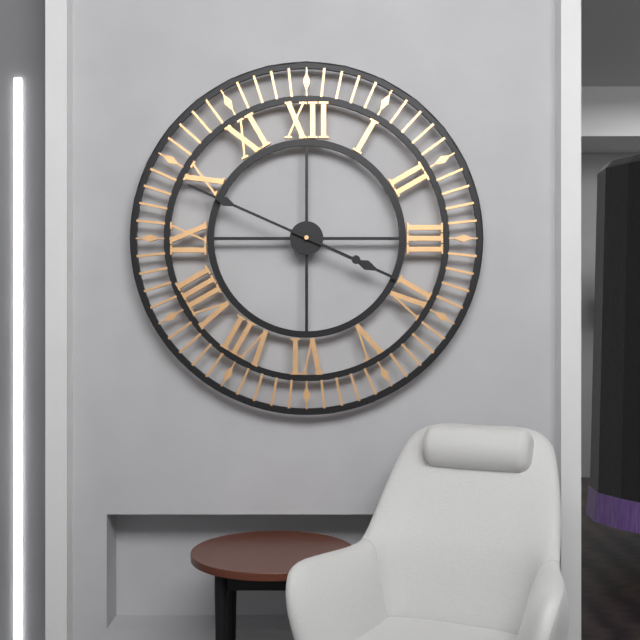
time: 3:49
